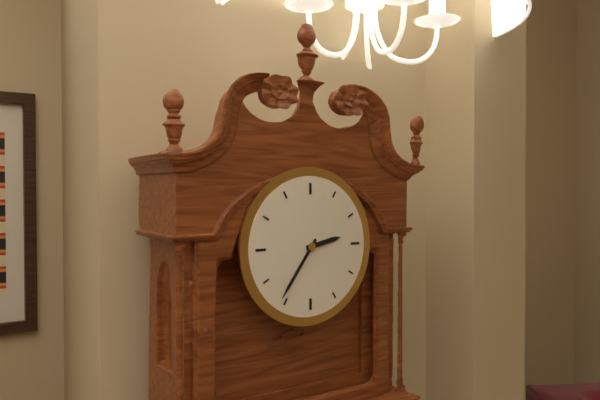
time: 2:36
